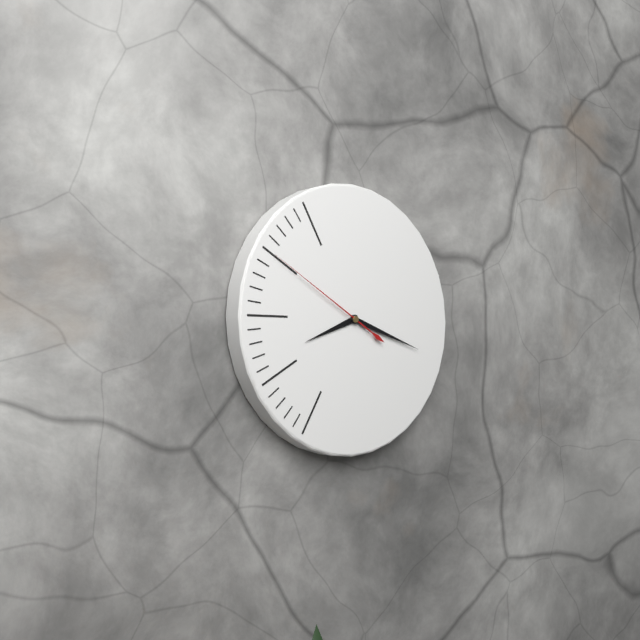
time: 8:18:50
